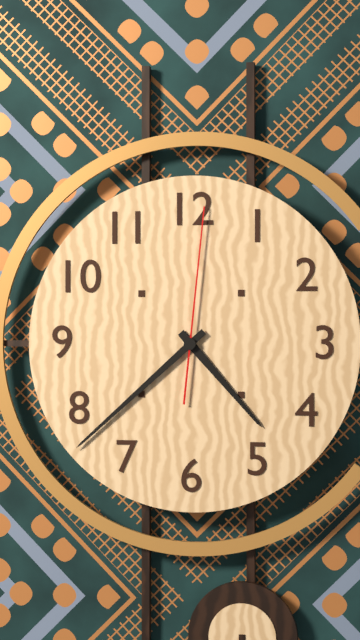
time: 4:38:01
